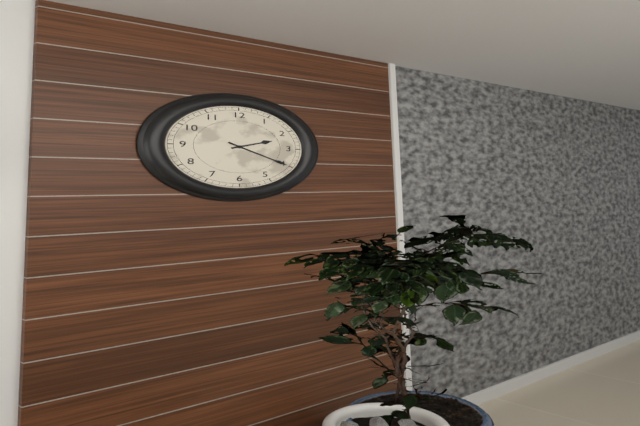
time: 2:20
